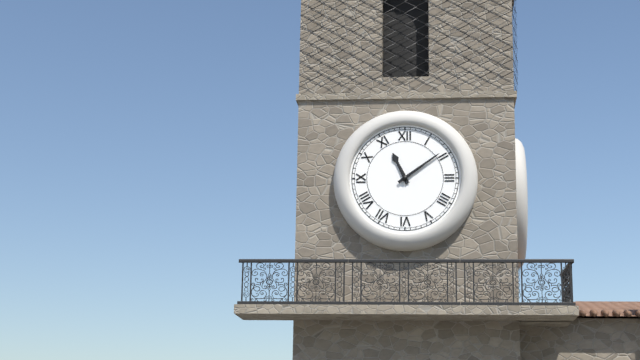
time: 11:09
